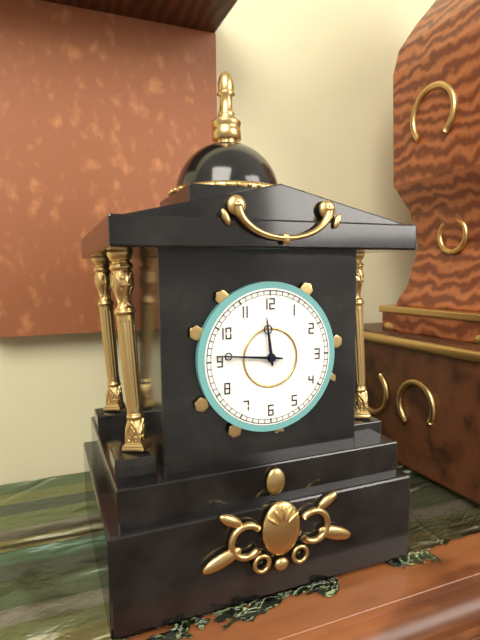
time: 11:46
